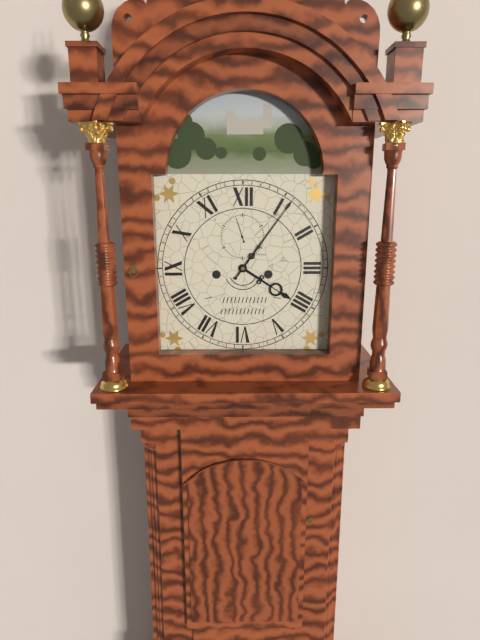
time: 4:06
